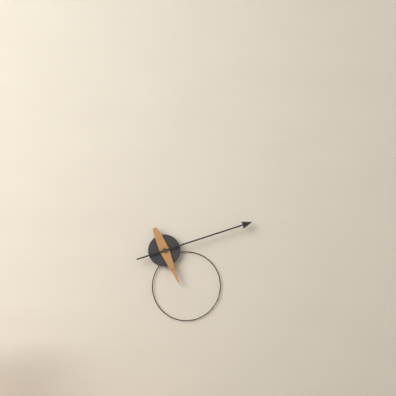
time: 5:12
